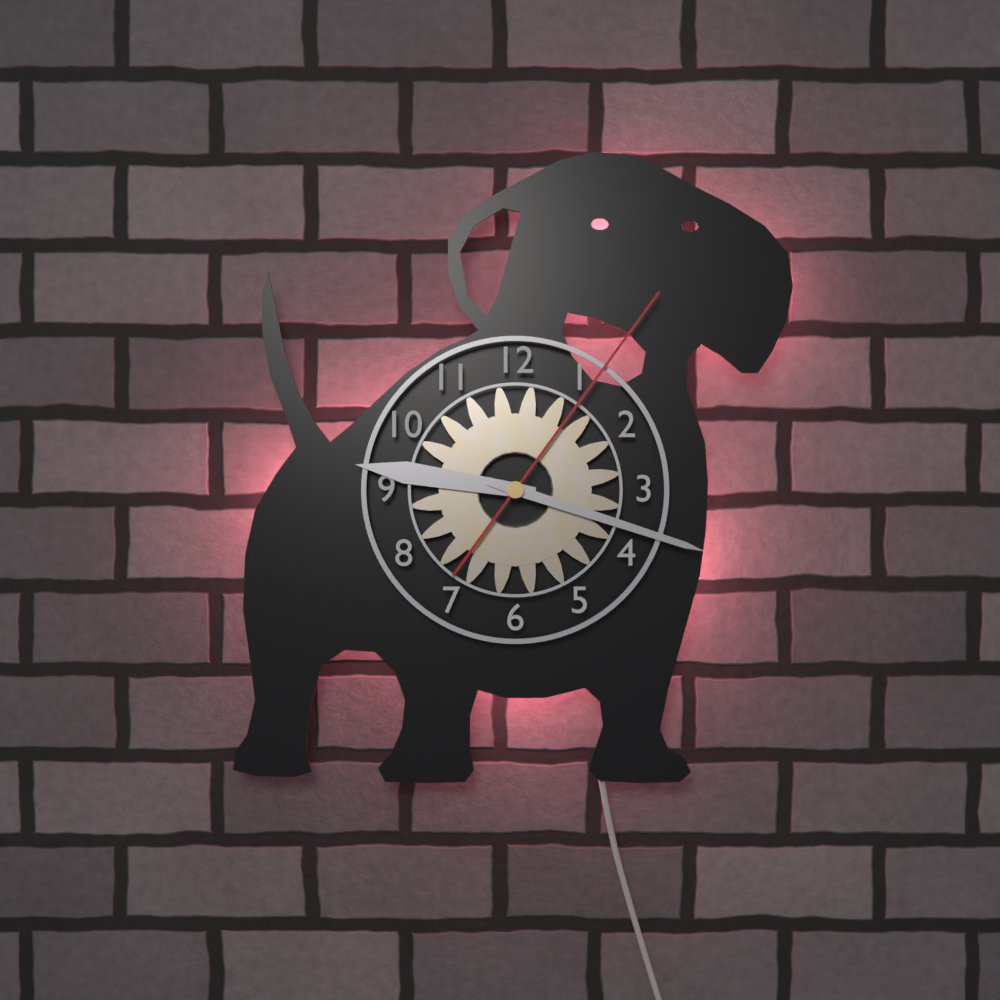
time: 9:18:06
